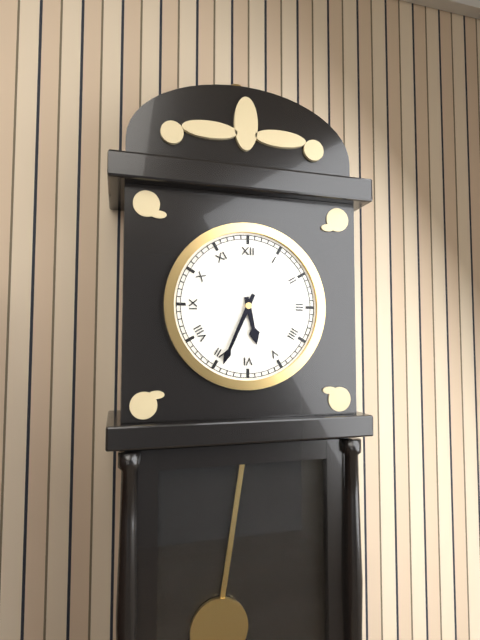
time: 5:34
